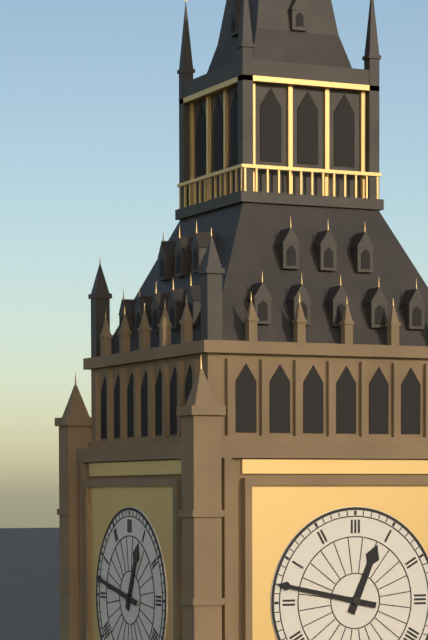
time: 12:47
